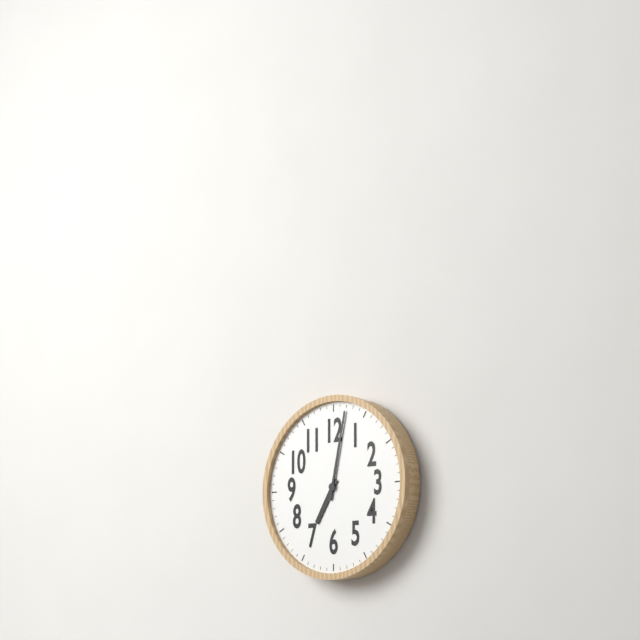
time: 7:02
